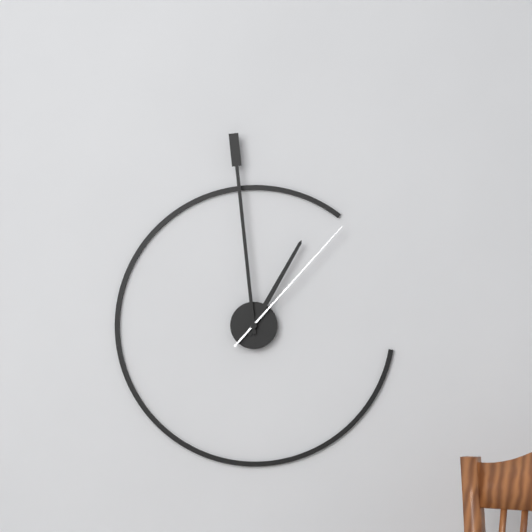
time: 12:59:07
